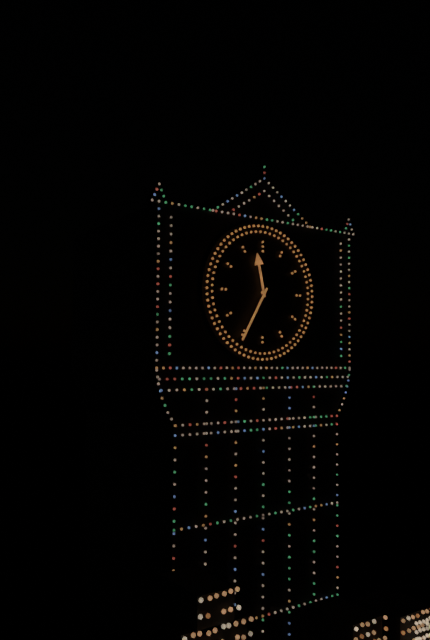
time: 11:35
